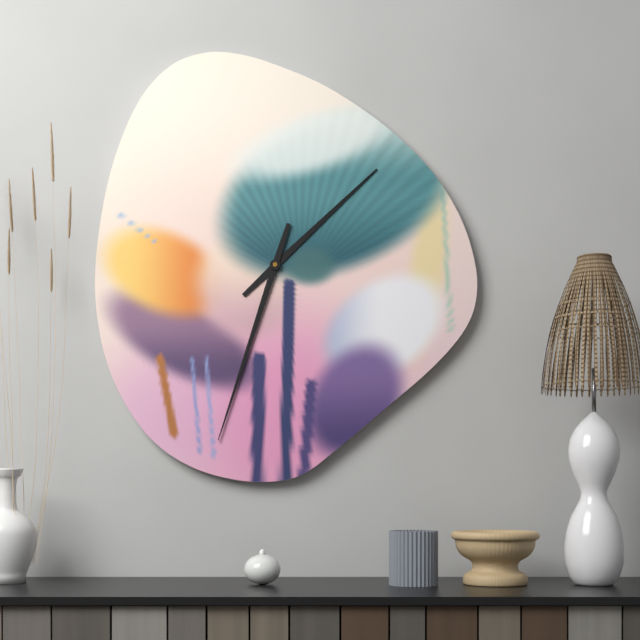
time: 1:33
